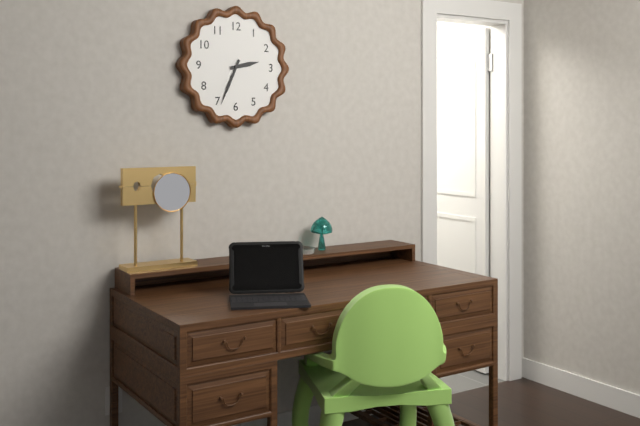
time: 2:34
